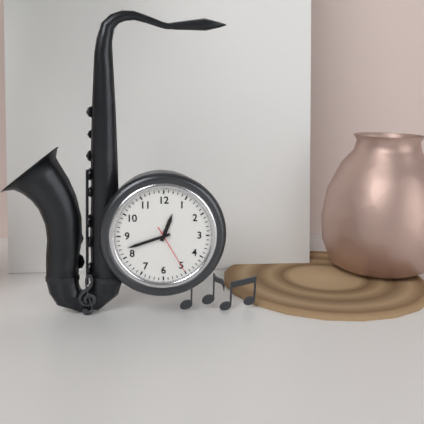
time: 12:42:25
